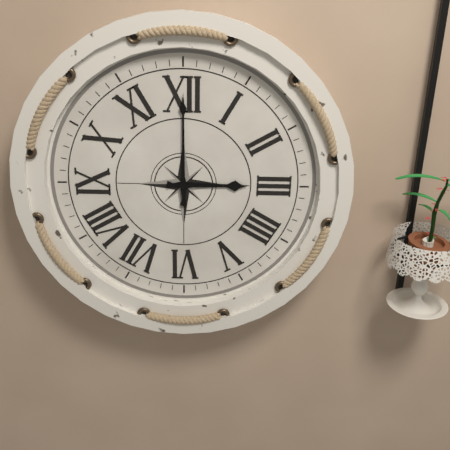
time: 3:00
